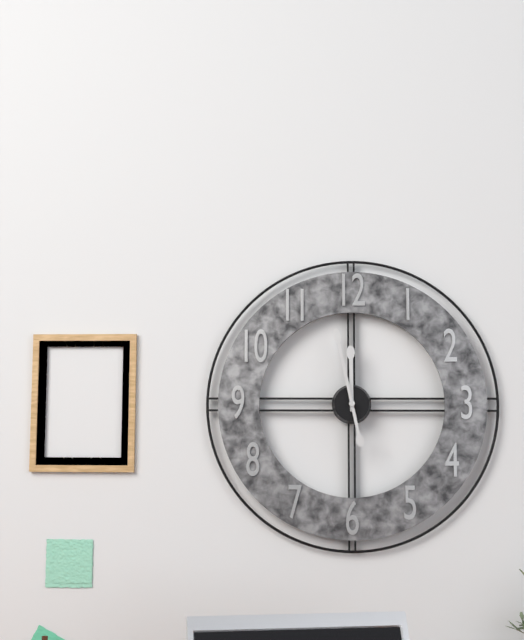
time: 11:58
